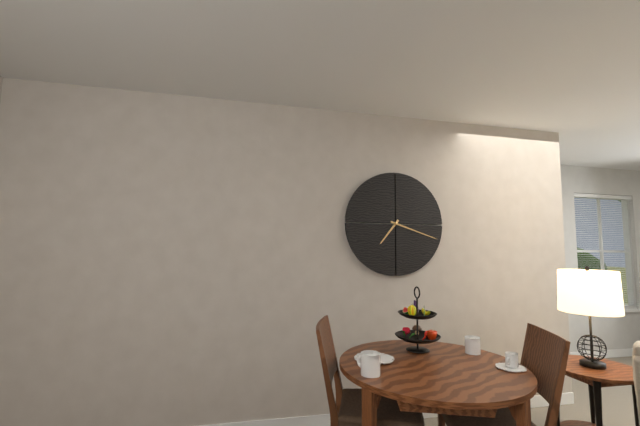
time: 7:18
